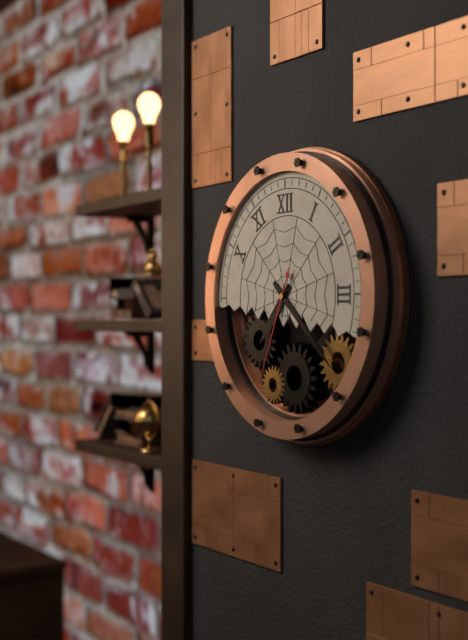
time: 7:22:34
